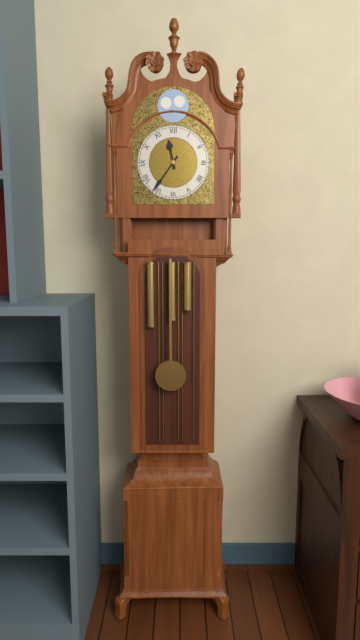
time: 11:36
